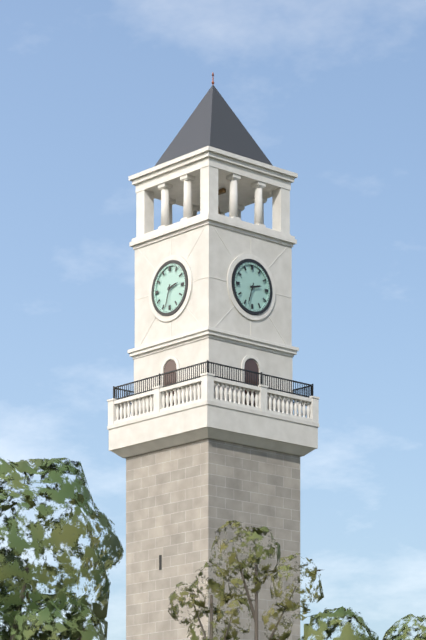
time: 2:33
